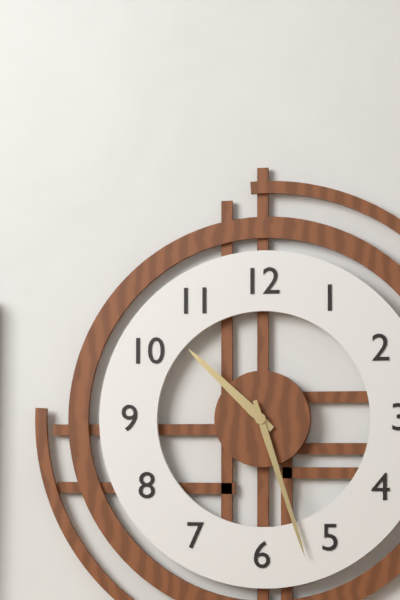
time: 10:27
